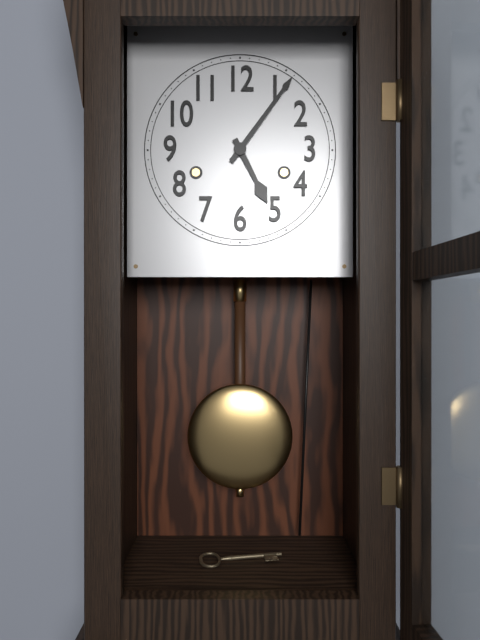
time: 5:06
